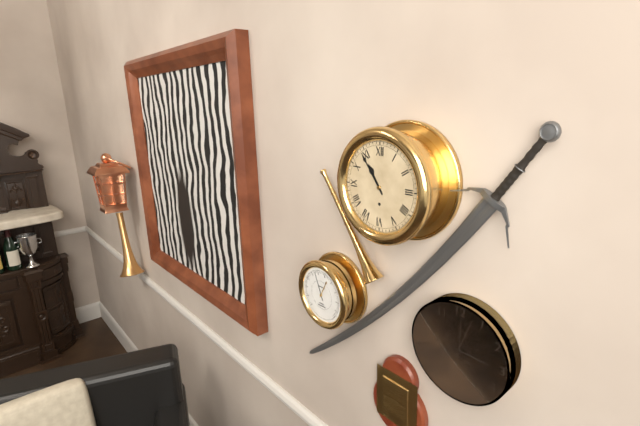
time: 10:54
